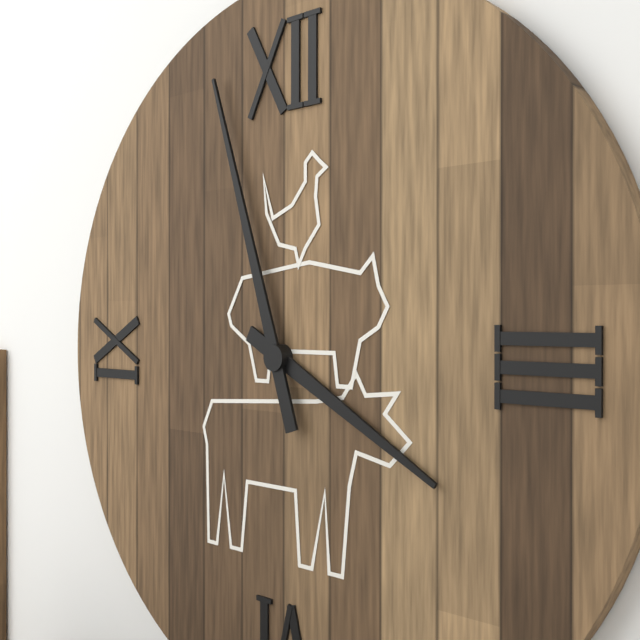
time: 3:57
